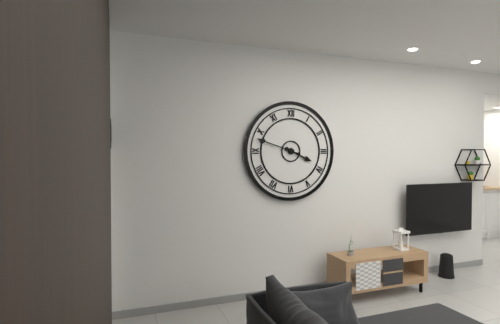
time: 3:48
